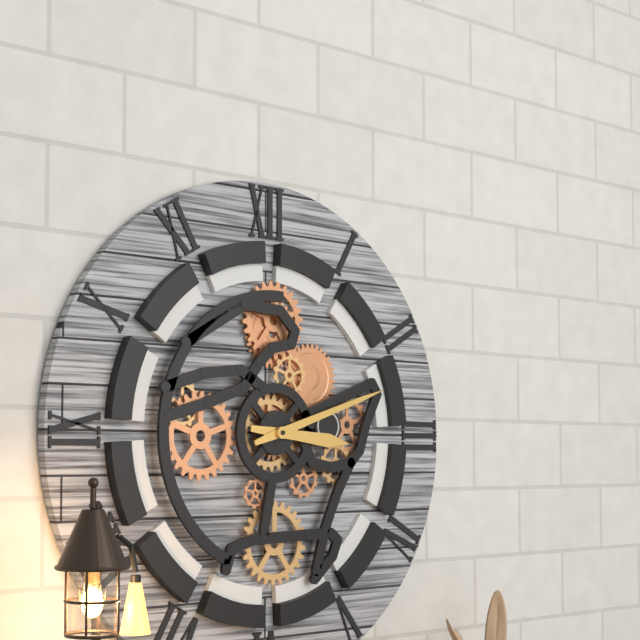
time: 3:12
